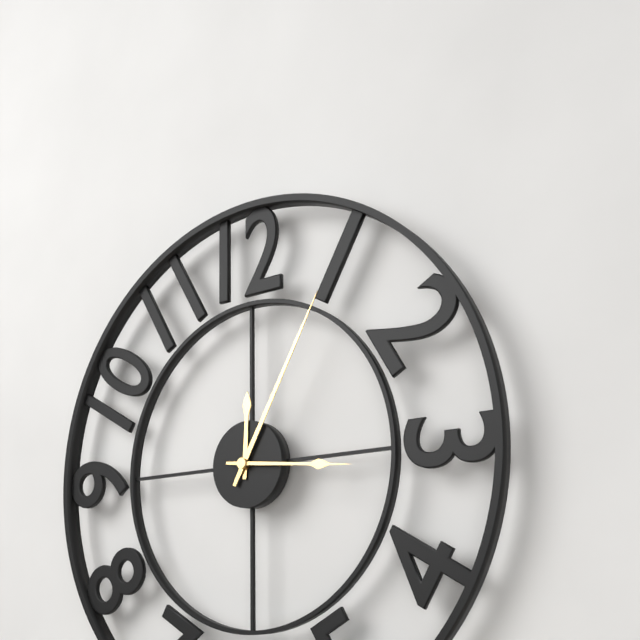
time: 12:05:16
